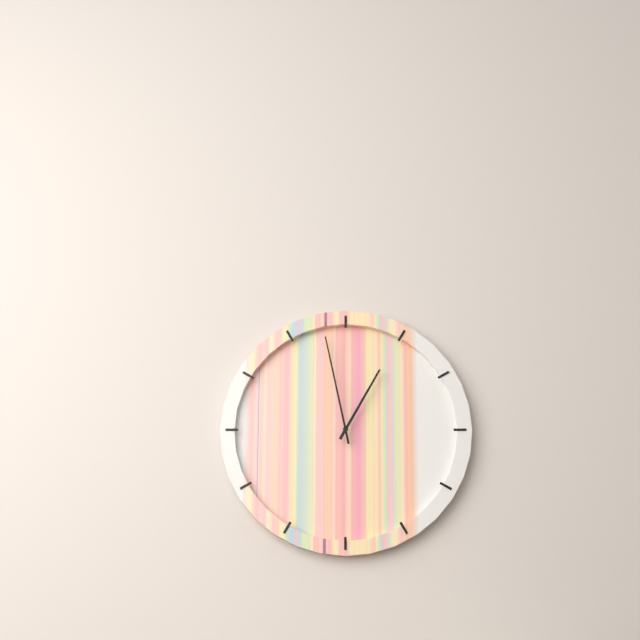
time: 12:58
